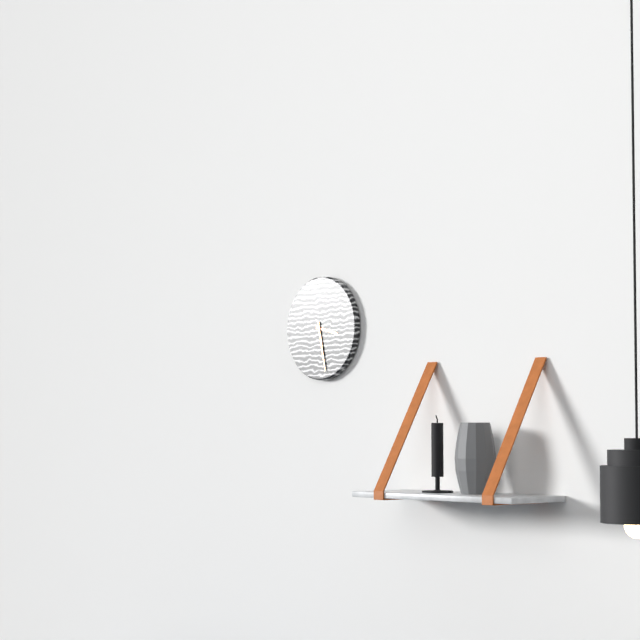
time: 3:28
